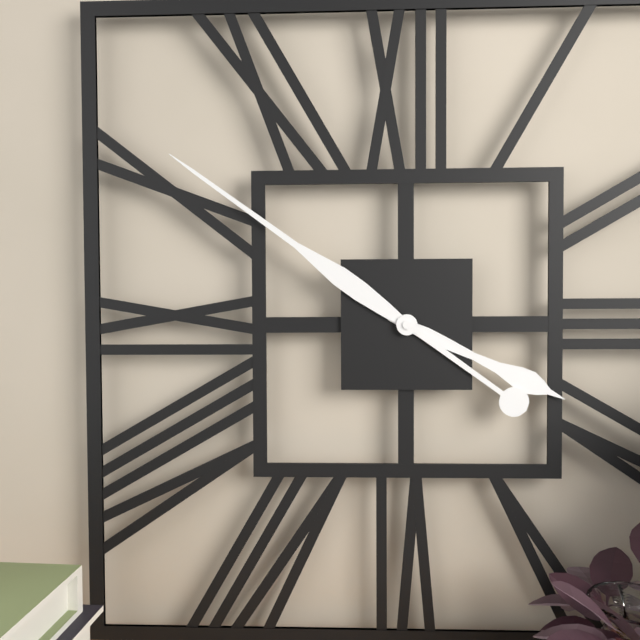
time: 3:51
